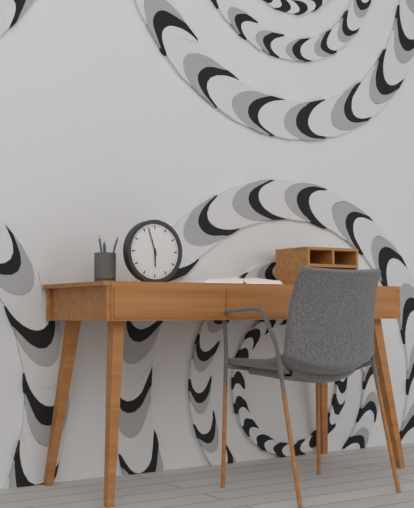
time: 5:57
